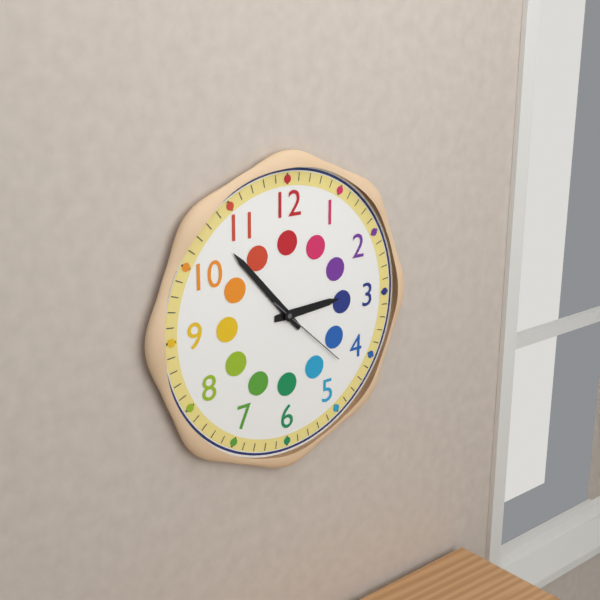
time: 2:53:22
